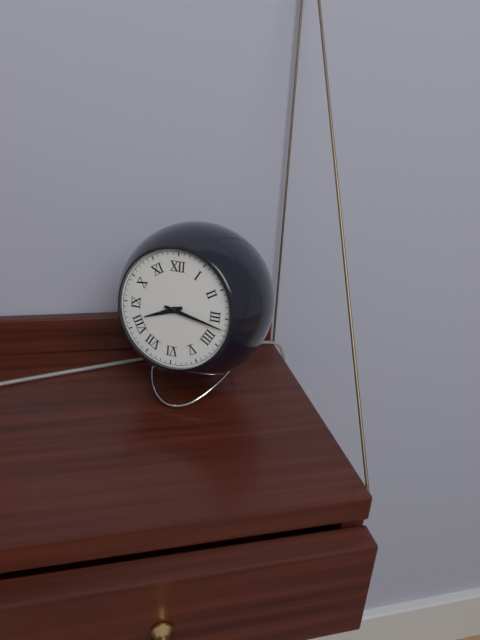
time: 8:17
